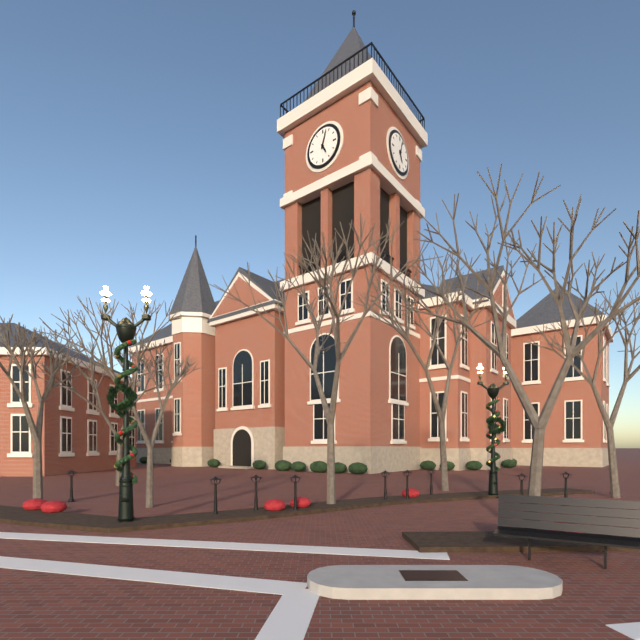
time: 5:03
